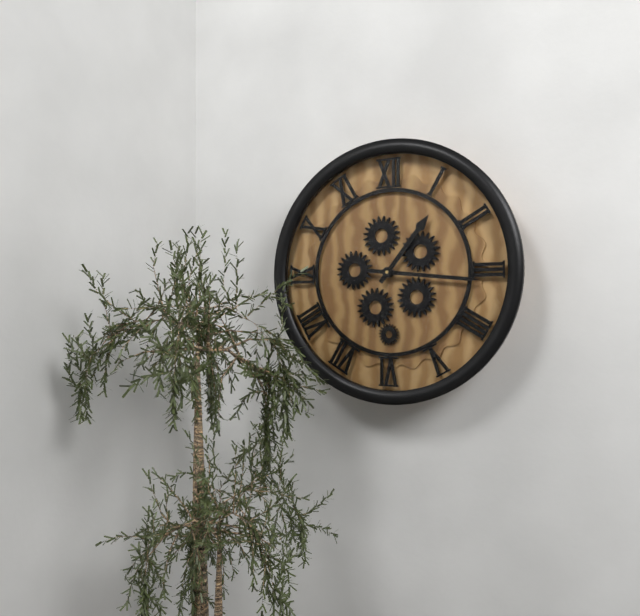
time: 1:16
